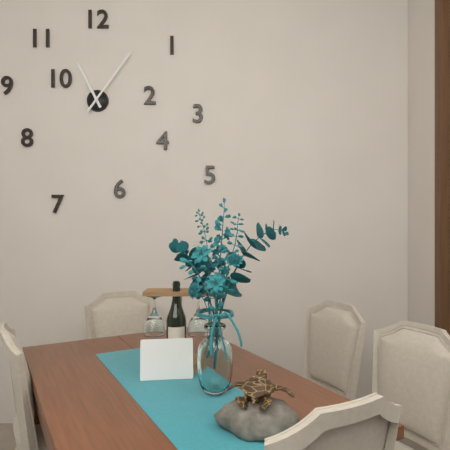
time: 11:06
